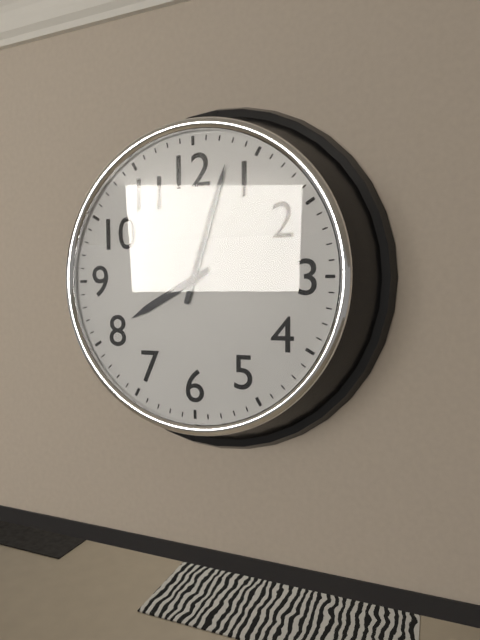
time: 8:03
